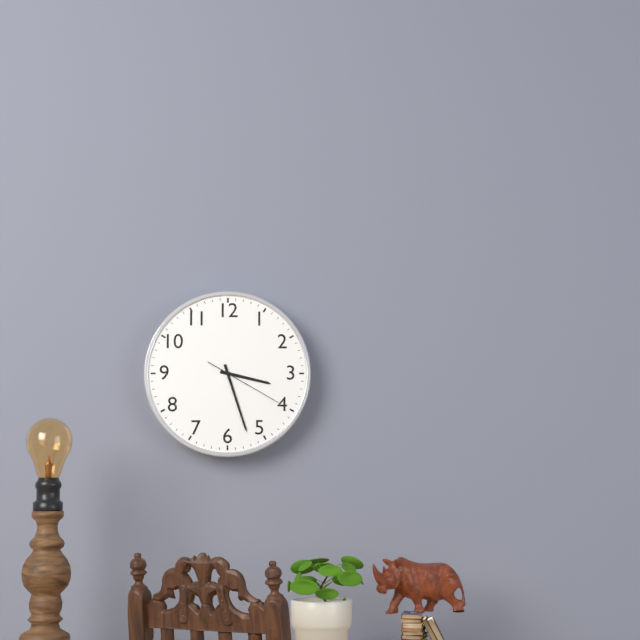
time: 3:27:20
